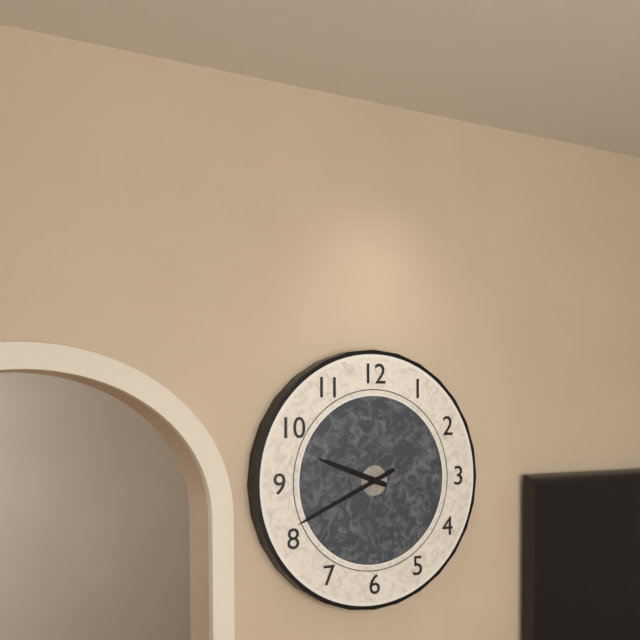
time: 9:41
